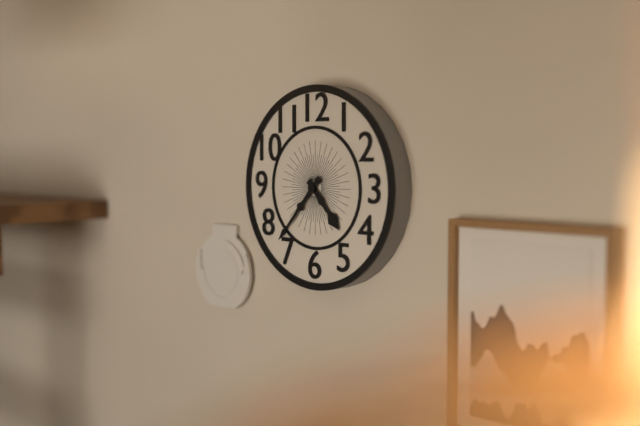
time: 4:37
